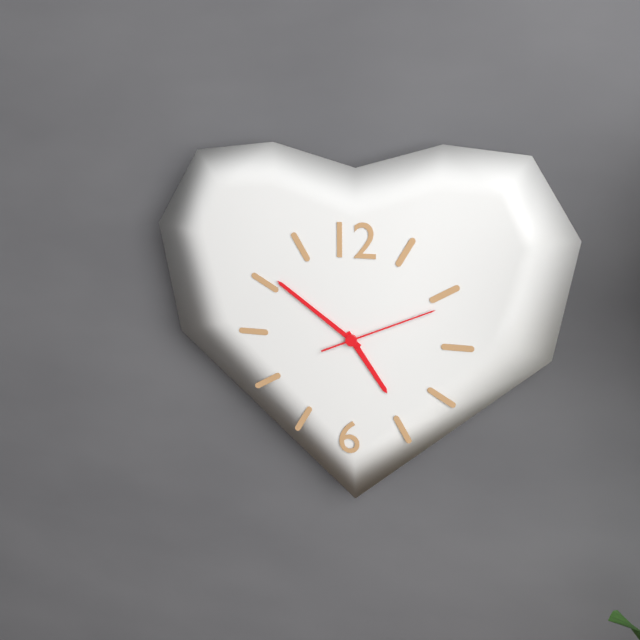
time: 4:51:11
